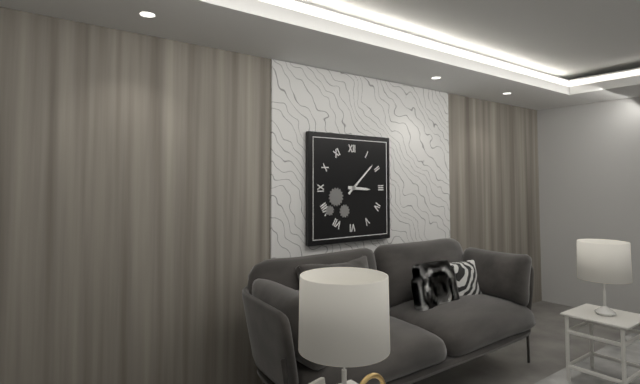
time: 3:08
